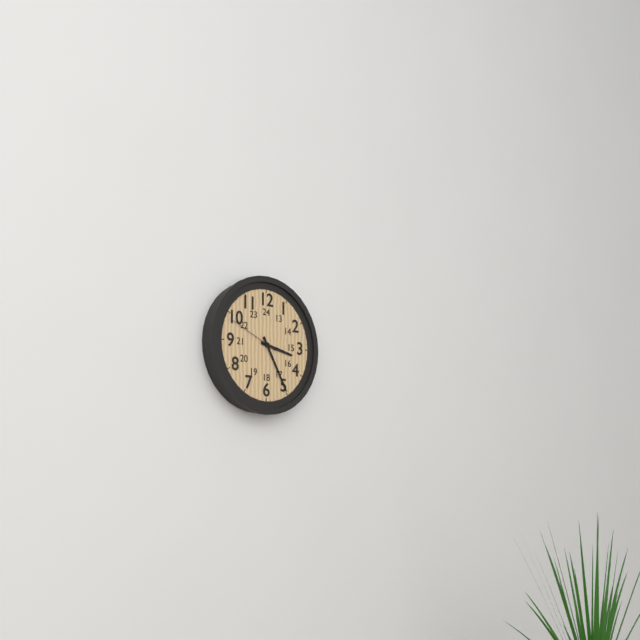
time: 3:25:49
